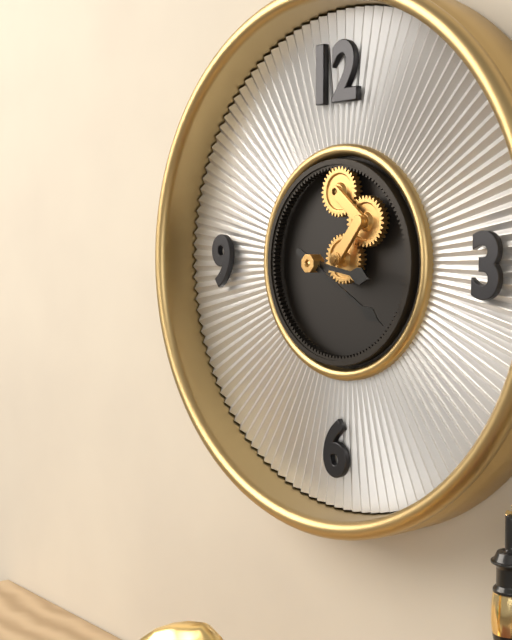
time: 3:20
